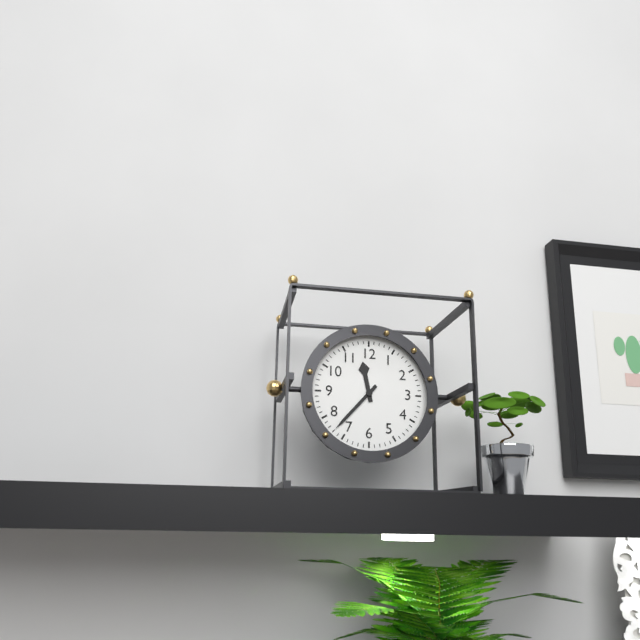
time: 11:37
